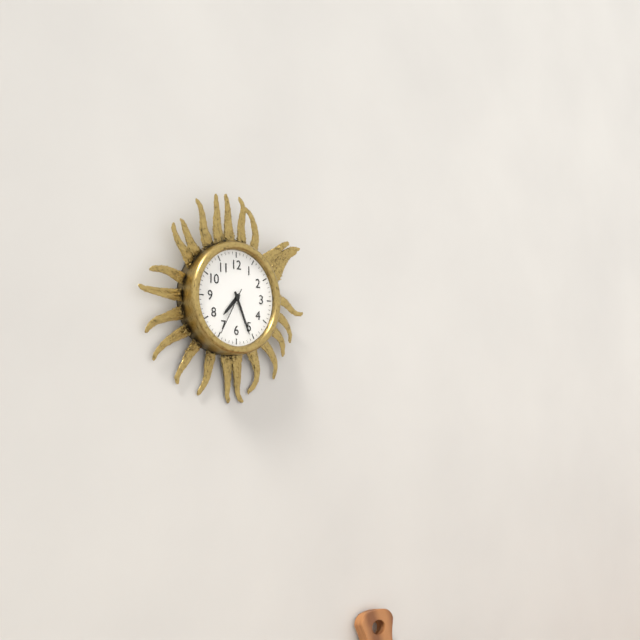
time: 7:26
